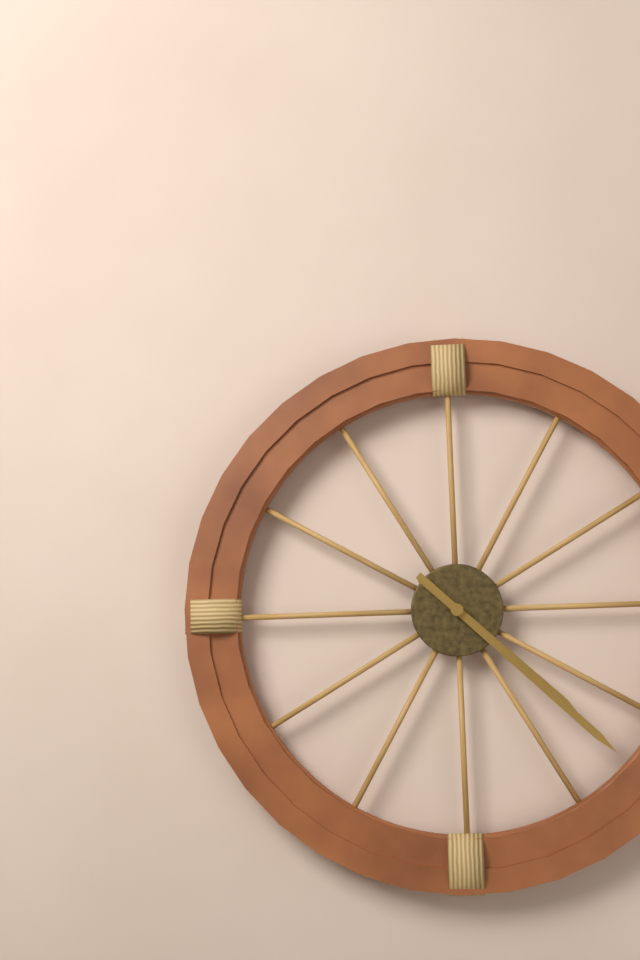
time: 4:22
